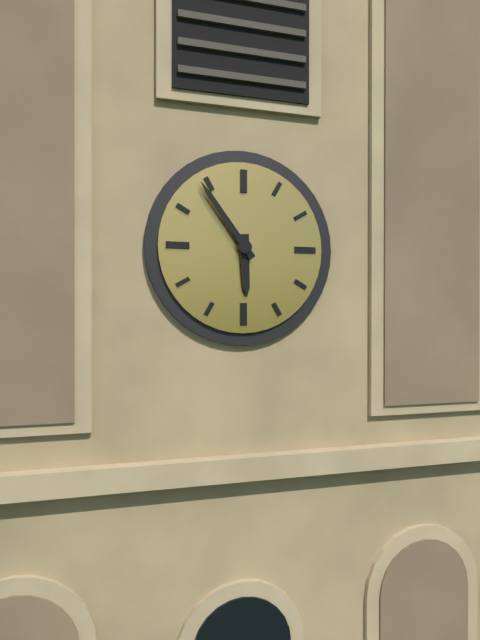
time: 5:54
